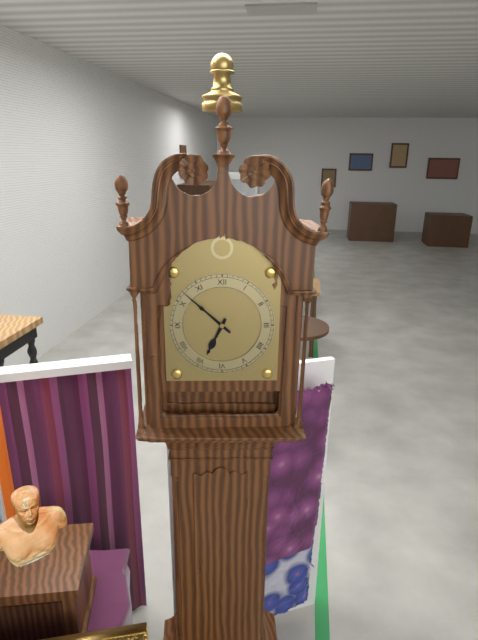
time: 6:52
